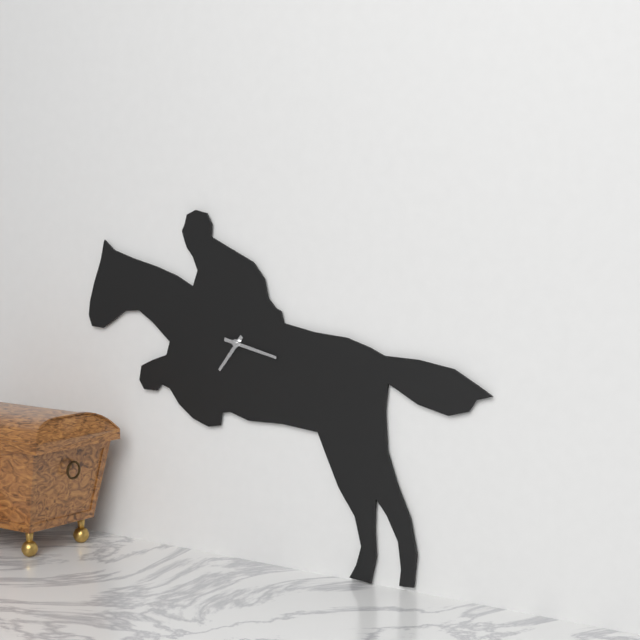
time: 7:17
